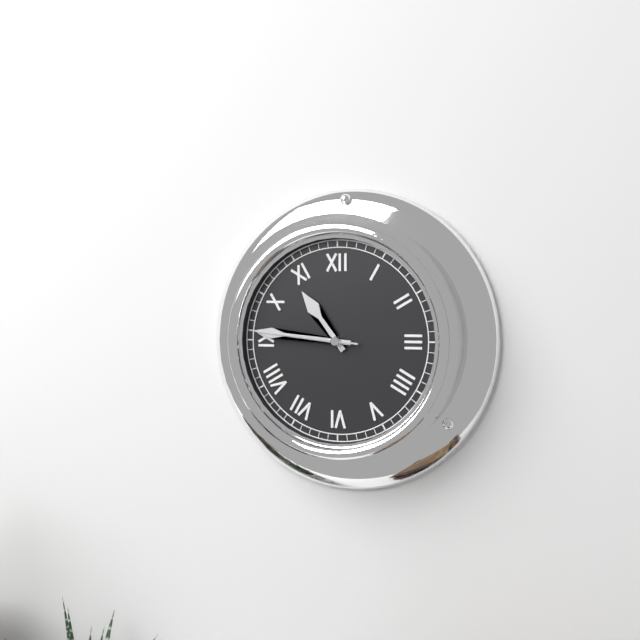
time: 10:46:46
